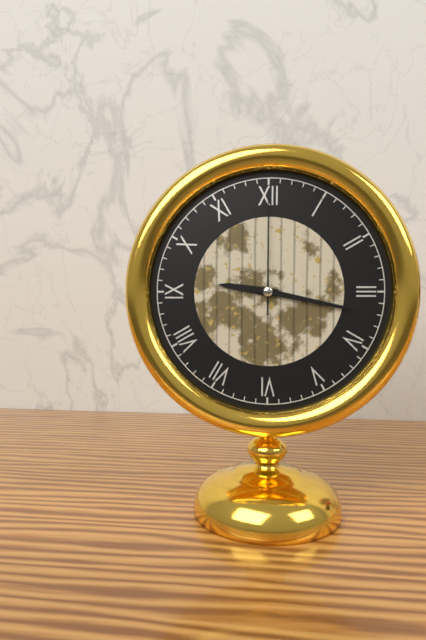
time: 9:17:00
